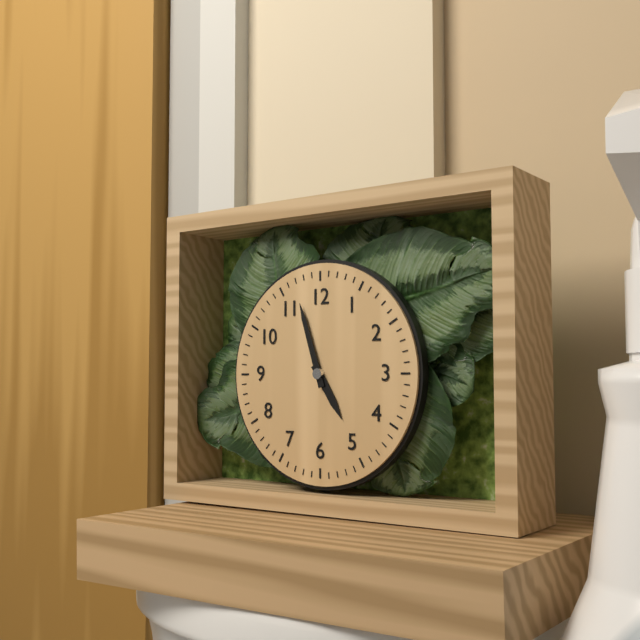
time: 4:57
